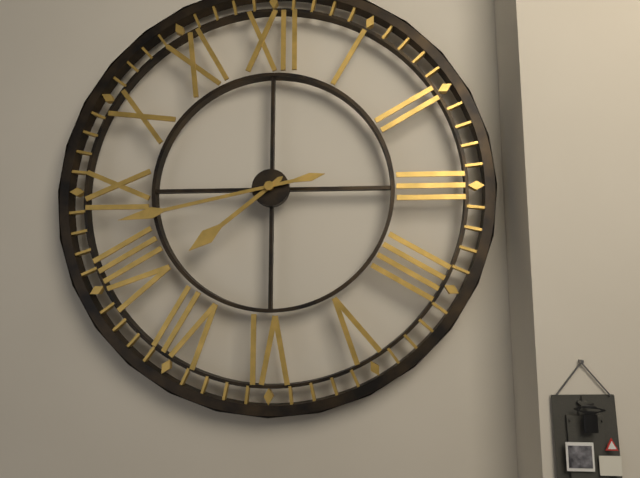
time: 7:43
